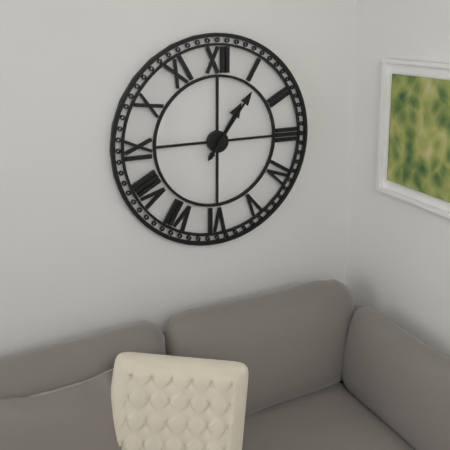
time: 1:06
